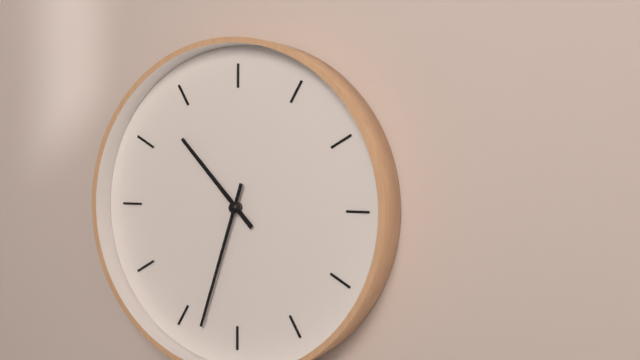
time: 10:33
